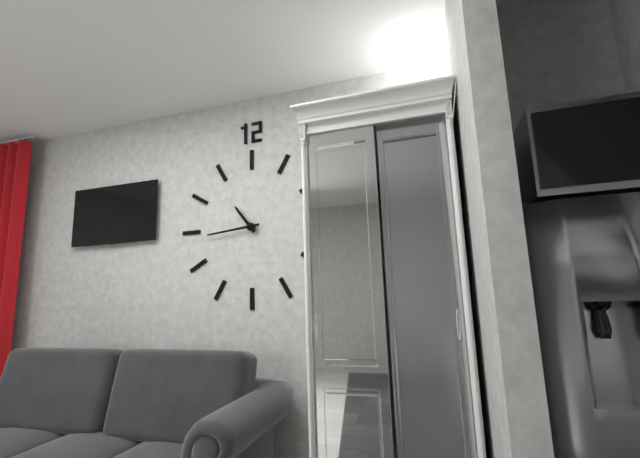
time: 10:44
